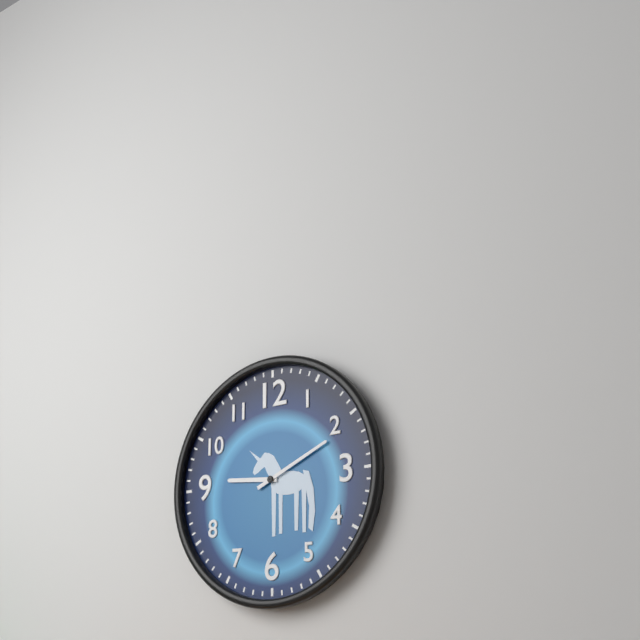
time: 9:11
